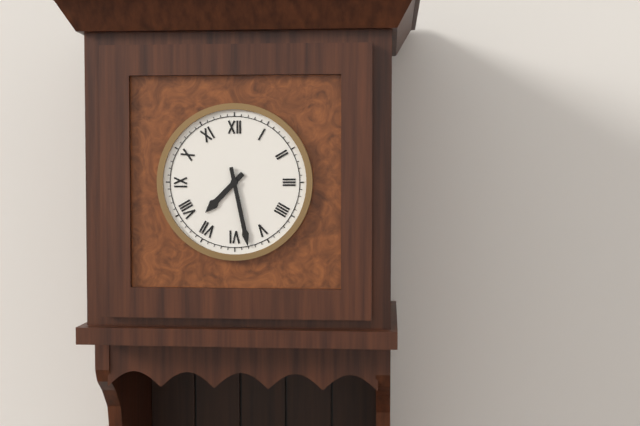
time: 7:28
